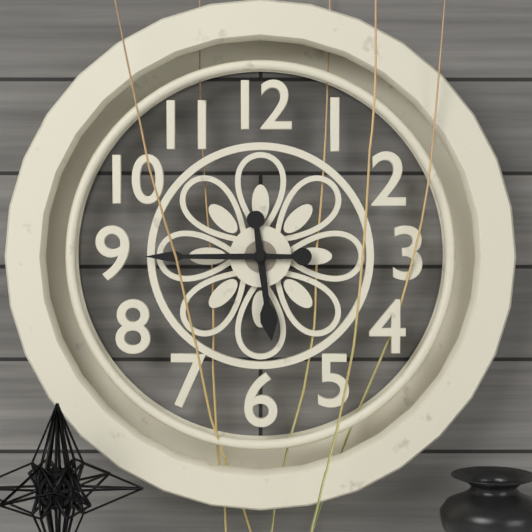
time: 5:45
